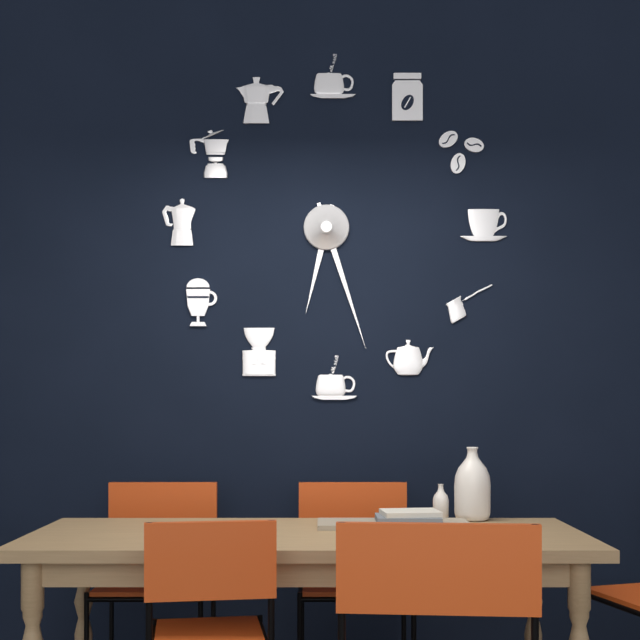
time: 6:27
